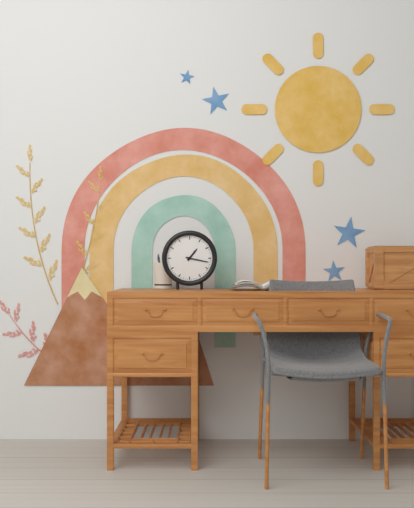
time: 1:17
